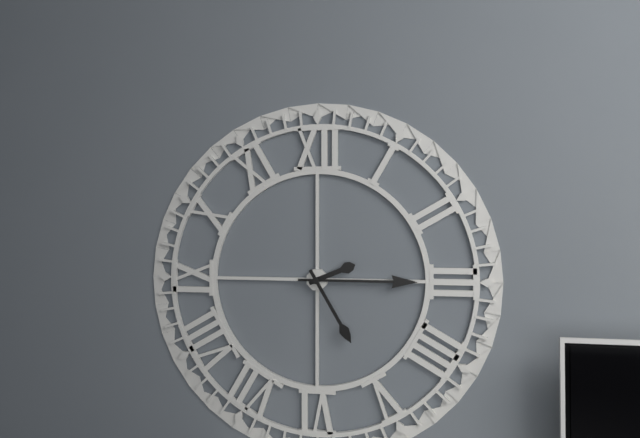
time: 2:15:25
